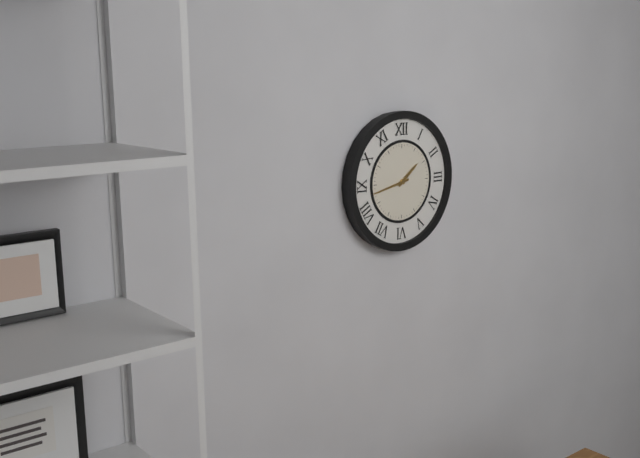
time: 1:43
